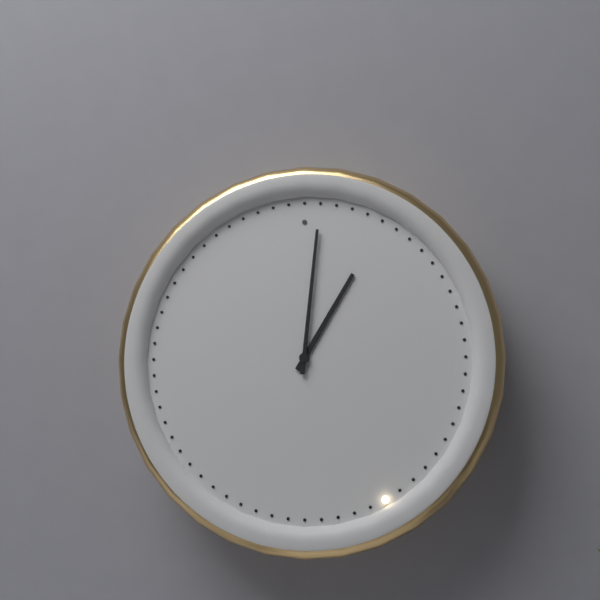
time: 1:01
